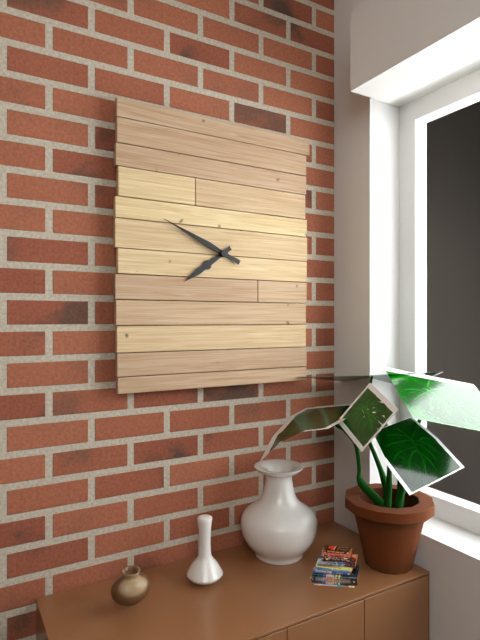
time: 7:49
